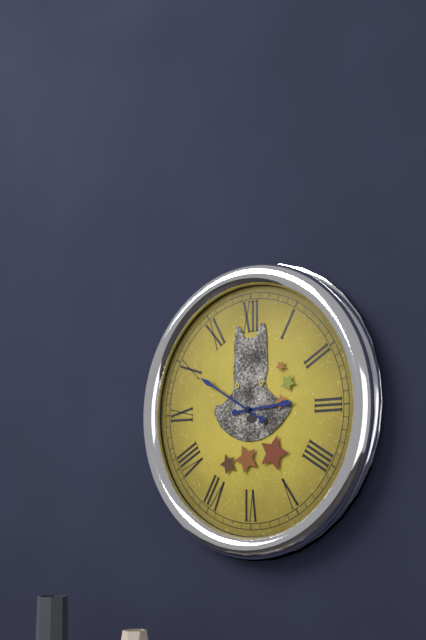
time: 2:50
